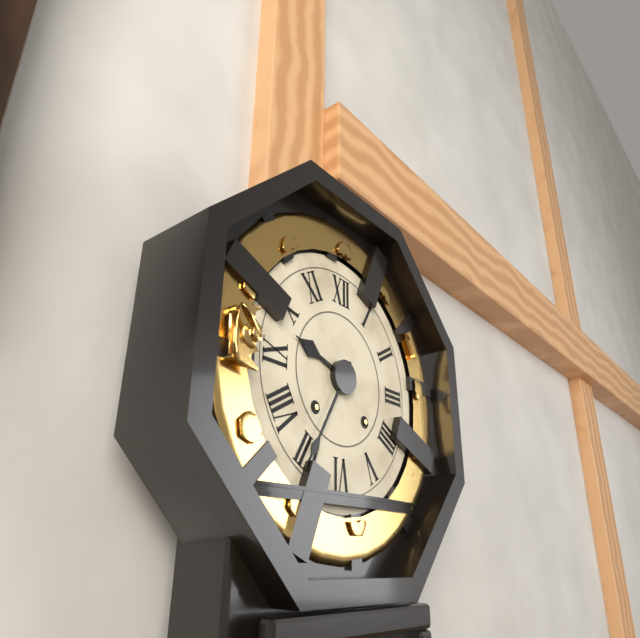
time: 9:35
